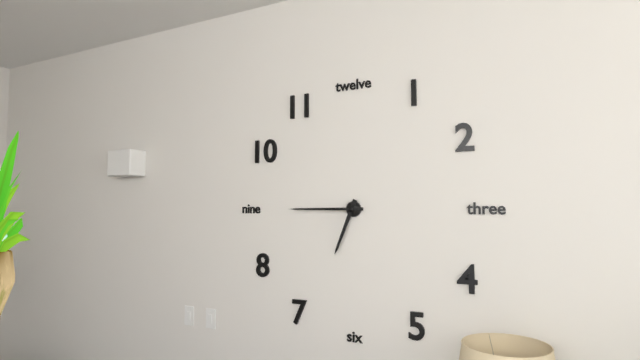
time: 6:45
